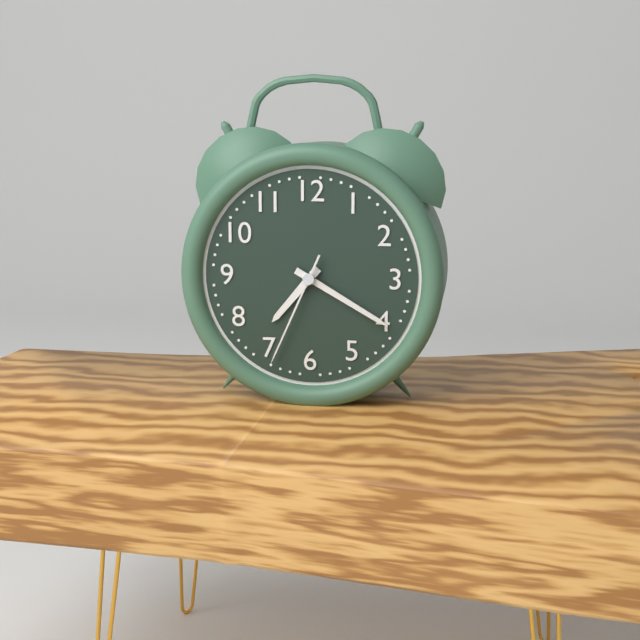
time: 7:20:34
